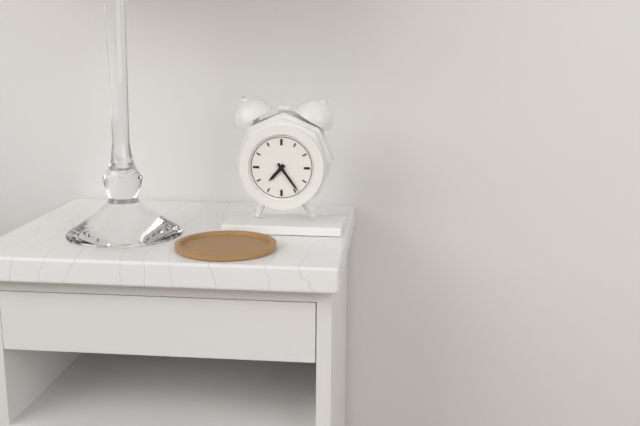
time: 7:24
